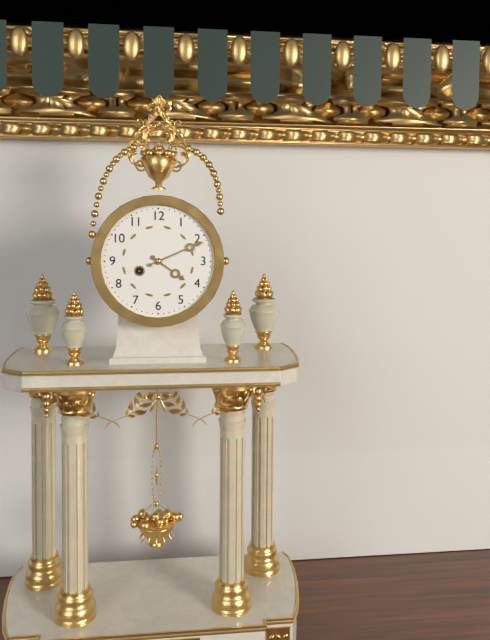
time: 4:11
